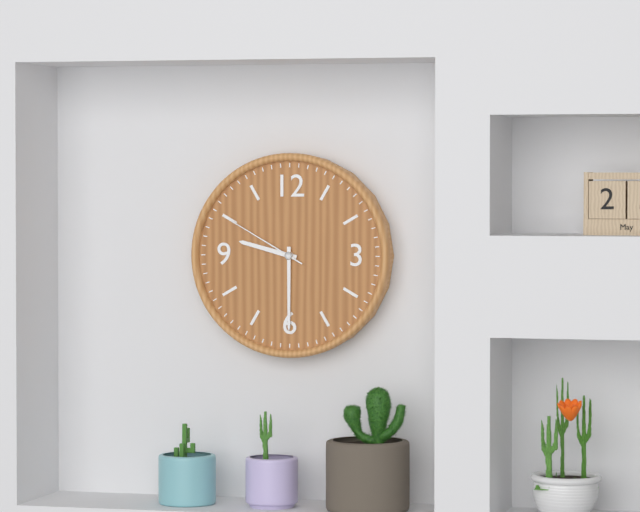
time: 9:30:50
